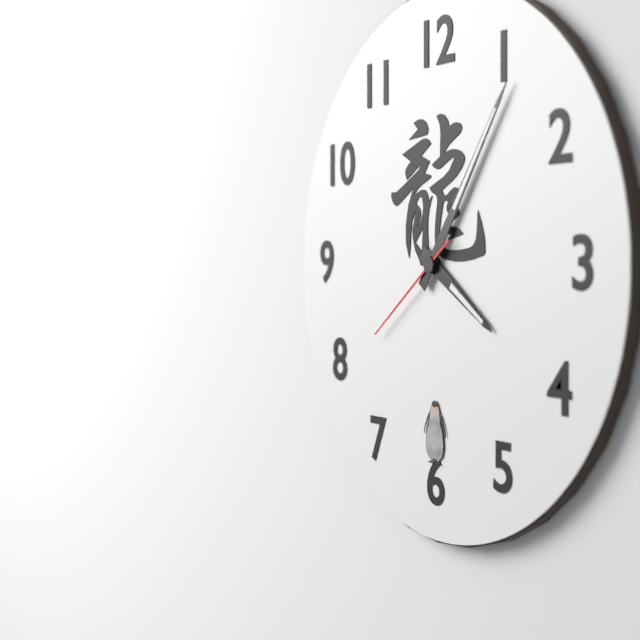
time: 4:06:39
